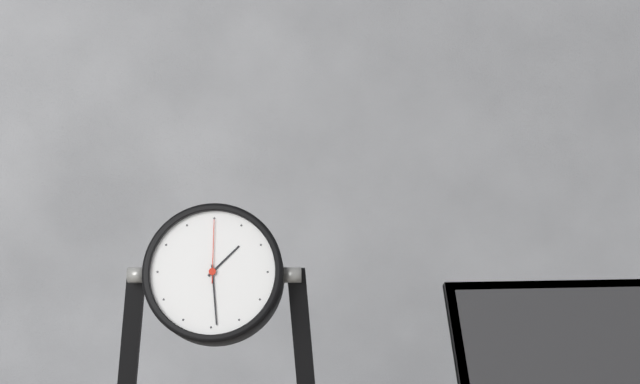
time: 1:29:00
